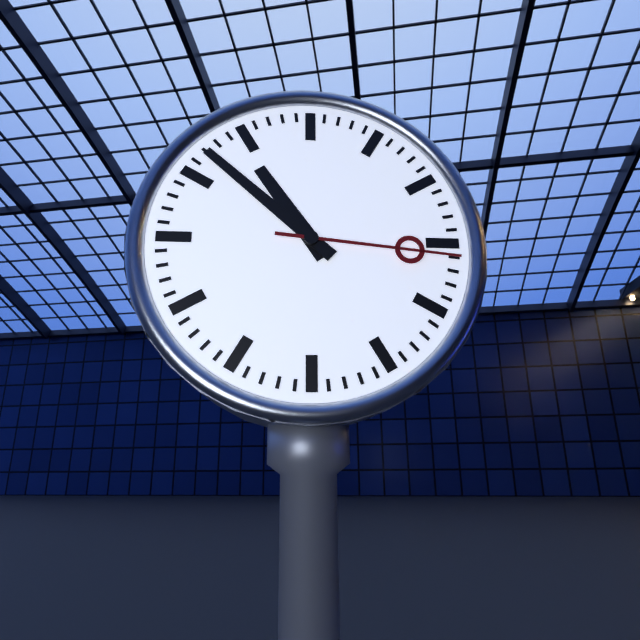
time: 10:52:16
